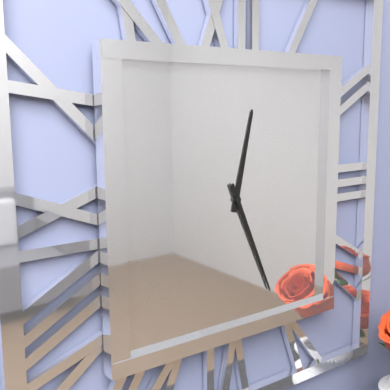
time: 12:26
